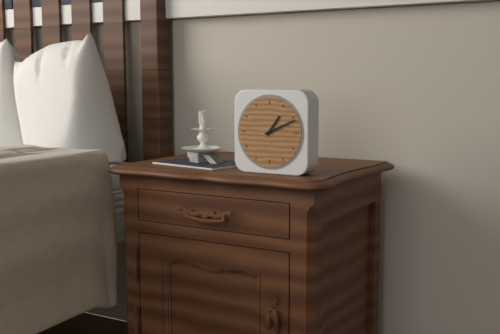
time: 1:11
